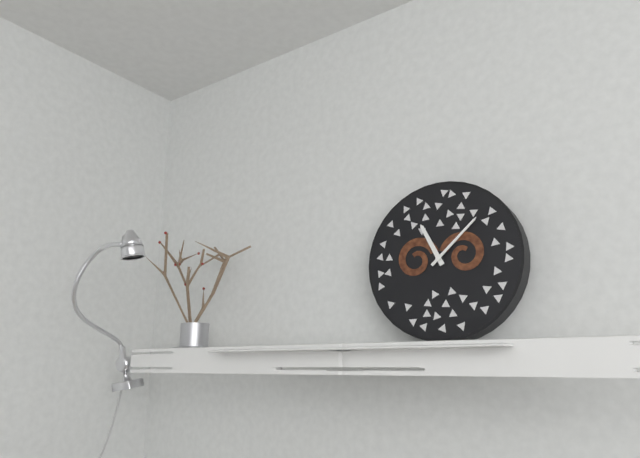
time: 11:08
